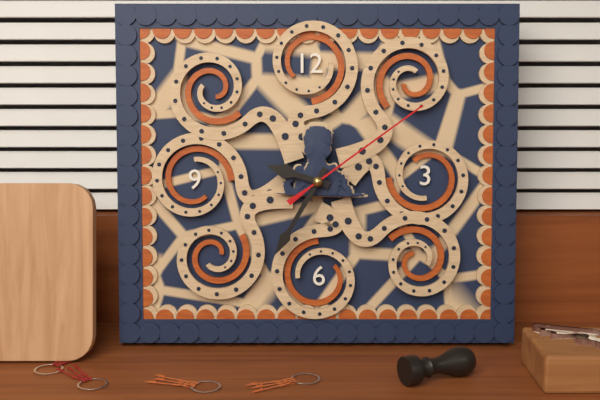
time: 9:35:09
